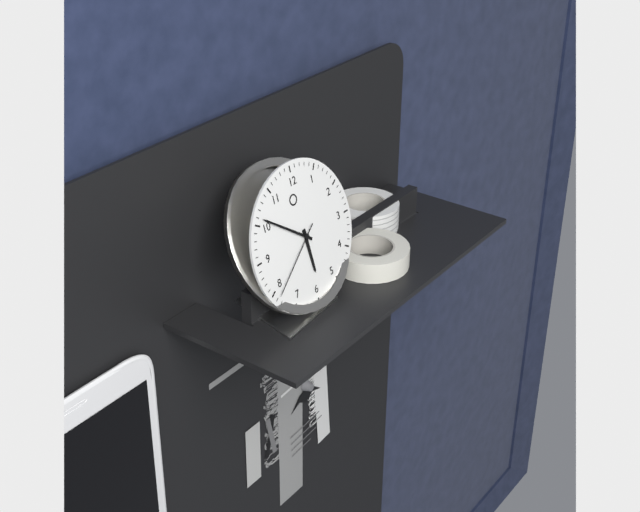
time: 5:51:39
